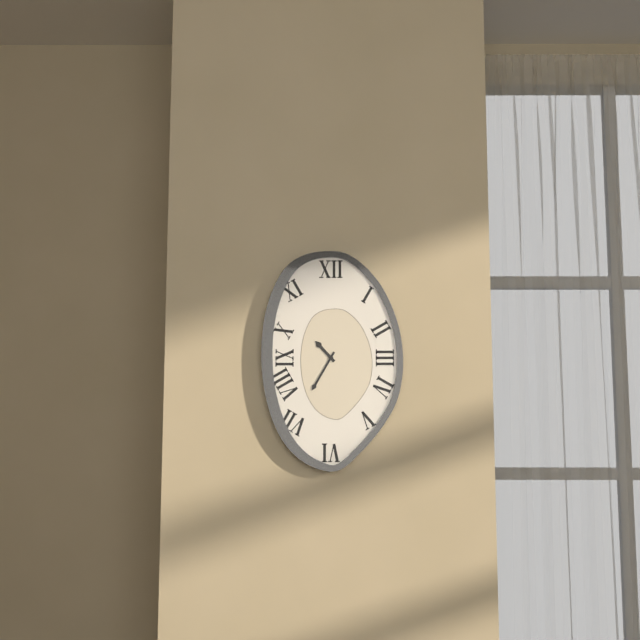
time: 10:35
